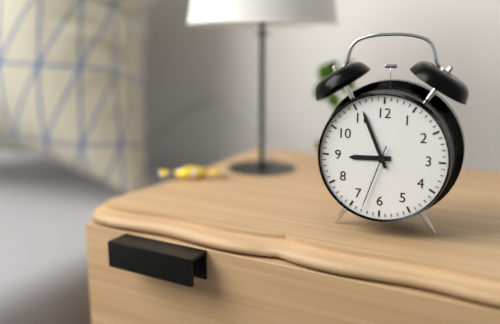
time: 8:56:33
